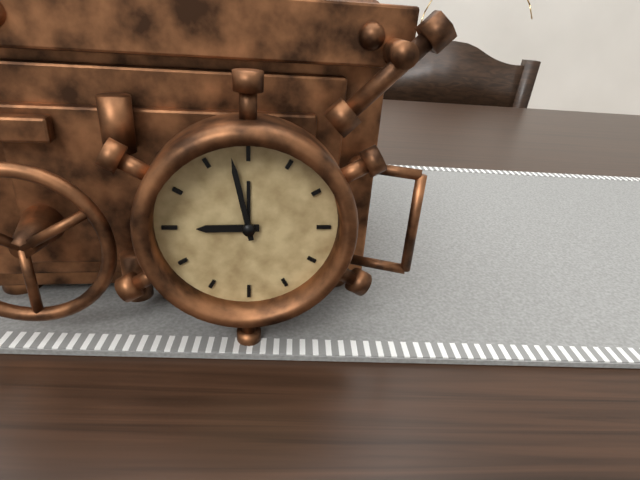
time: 8:58
